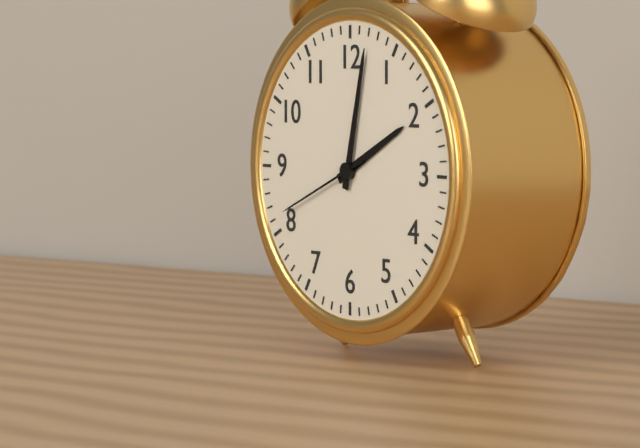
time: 2:02:41
